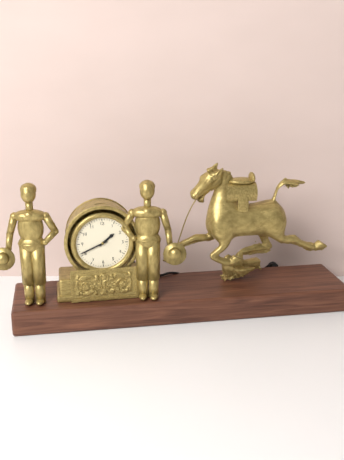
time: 1:41
